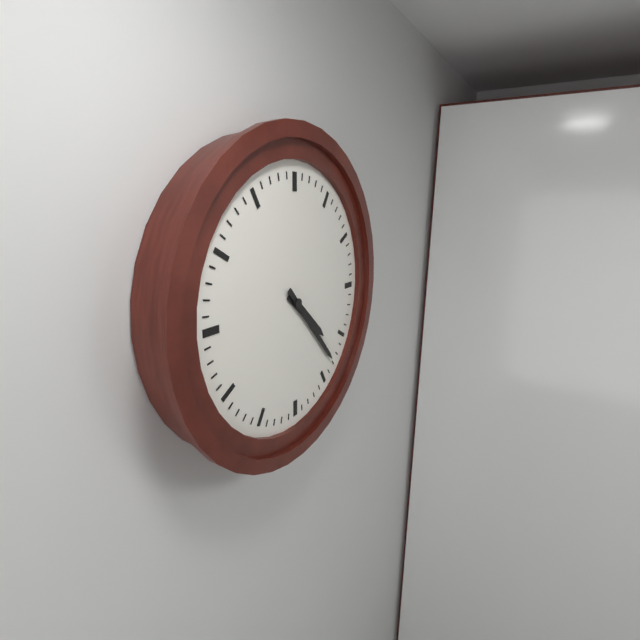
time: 4:23
